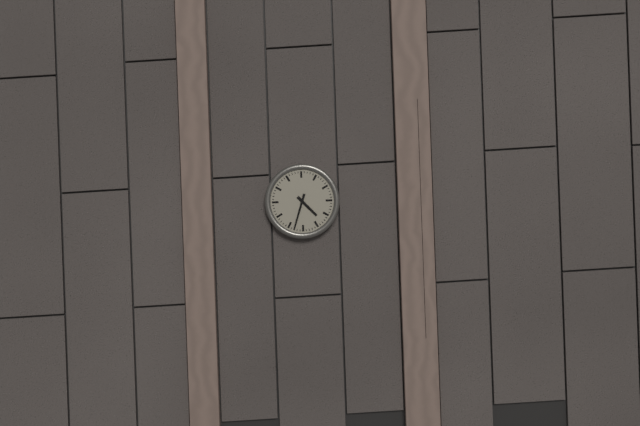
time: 4:33
